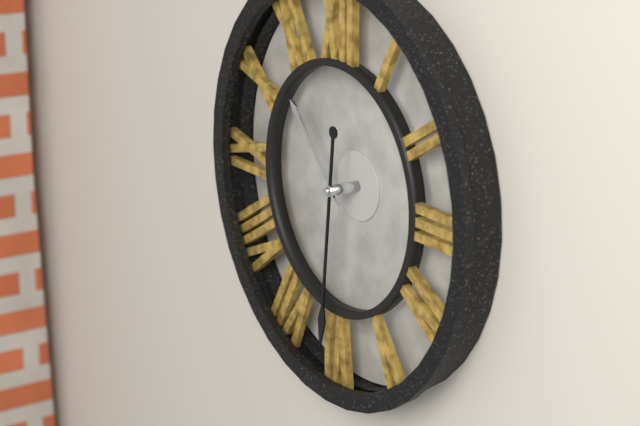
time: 10:31
